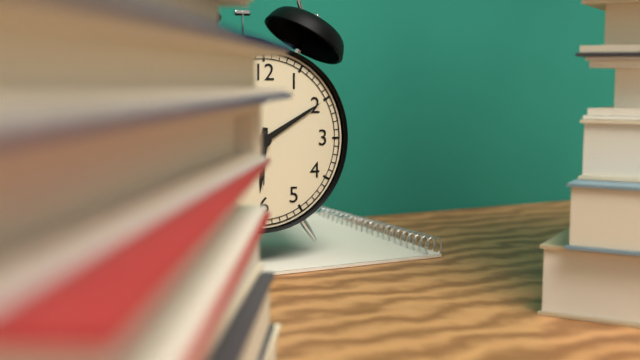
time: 6:10
